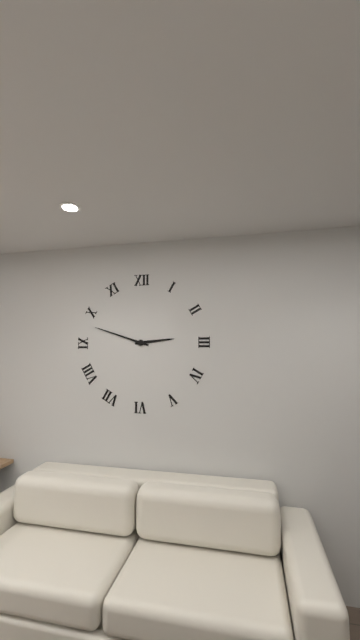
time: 2:48
